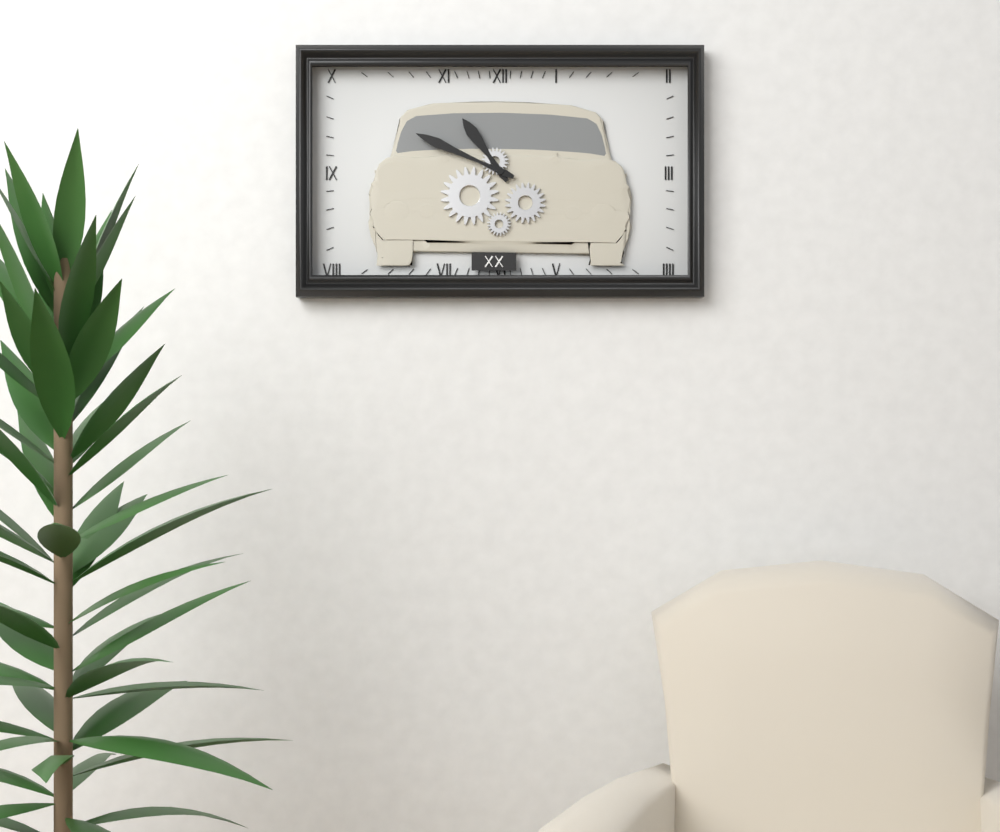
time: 10:49
